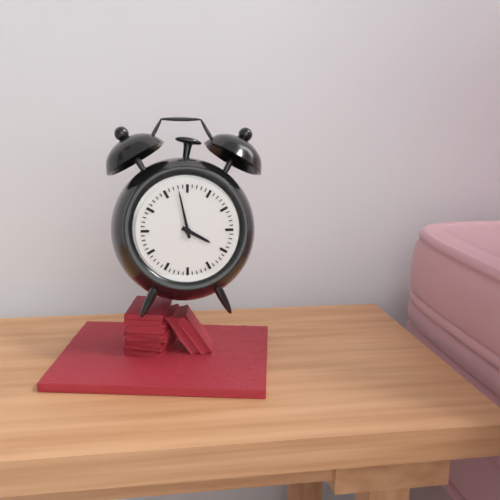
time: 3:58
